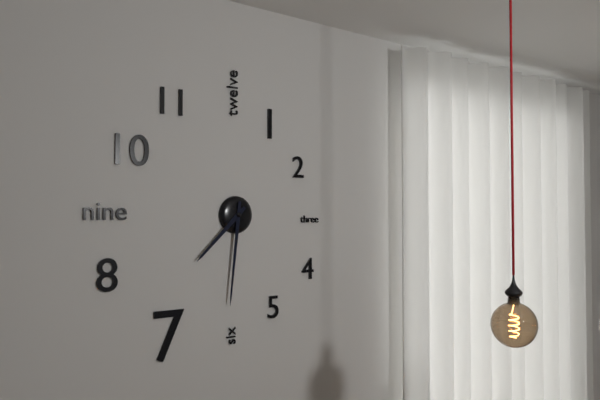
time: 7:31
